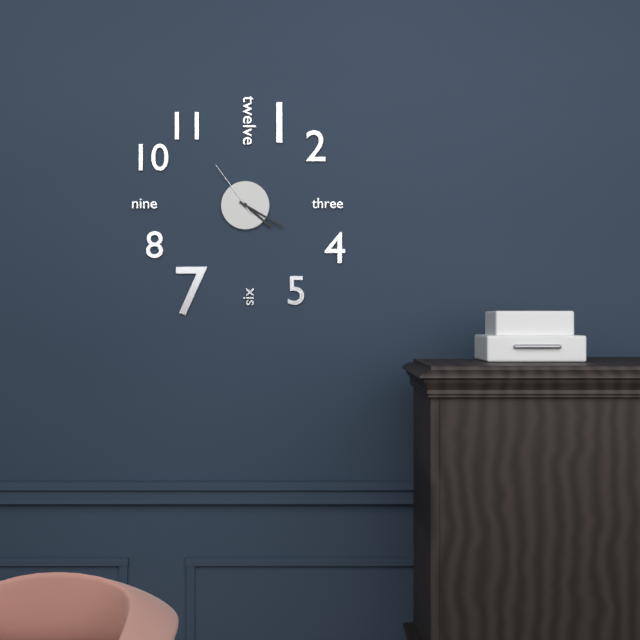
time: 4:20:54
